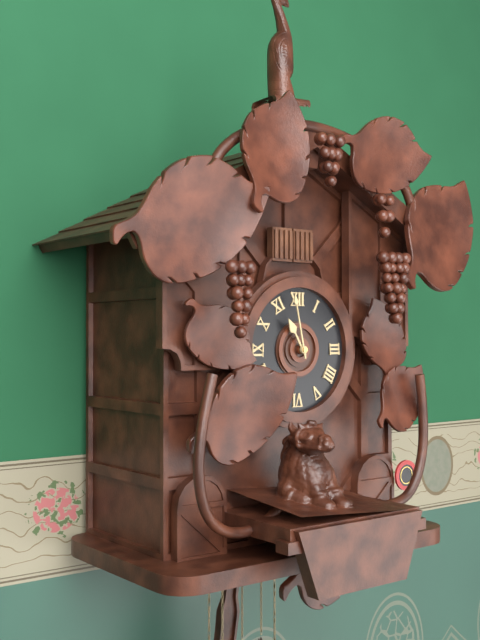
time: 10:58
